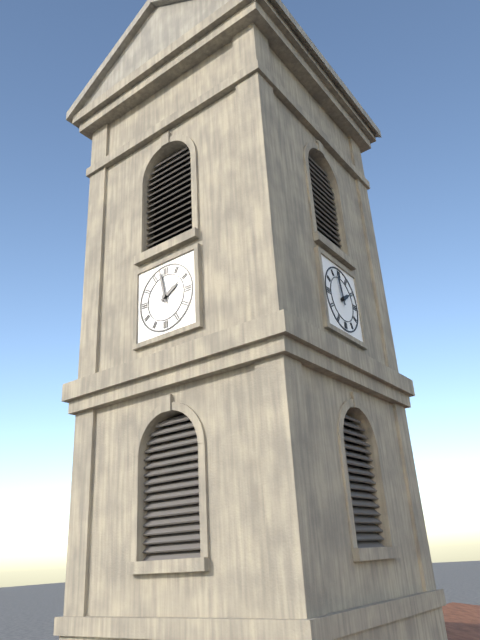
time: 1:58
